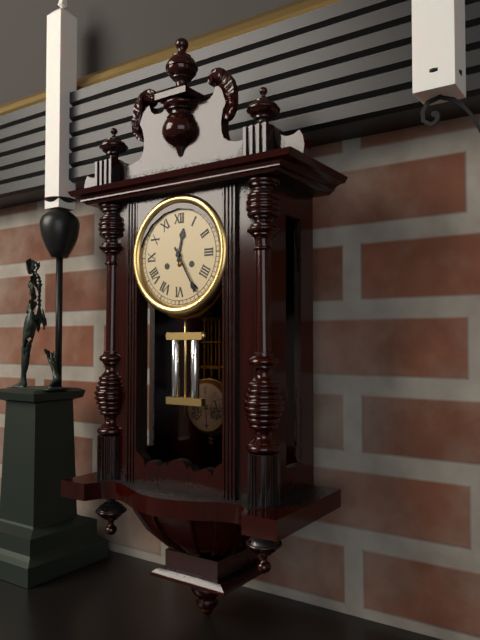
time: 12:25
